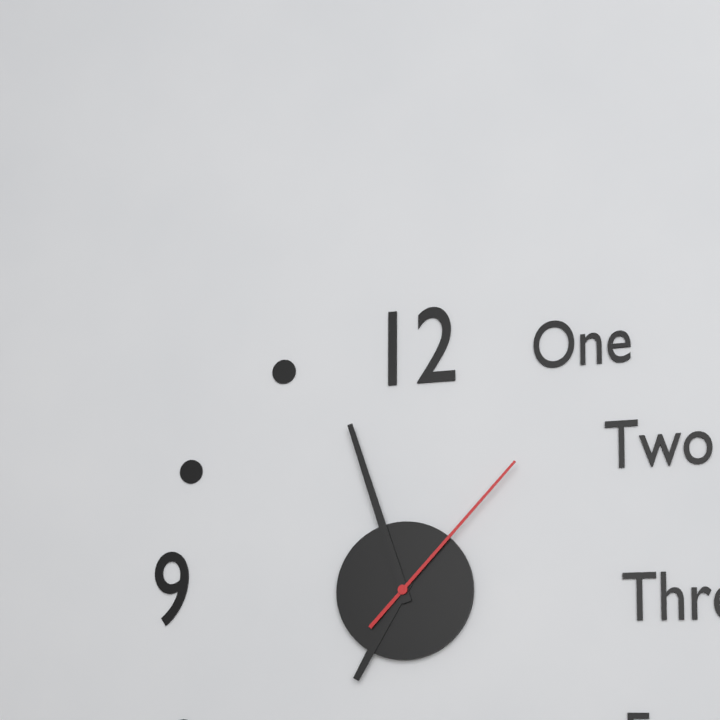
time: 6:57:07
